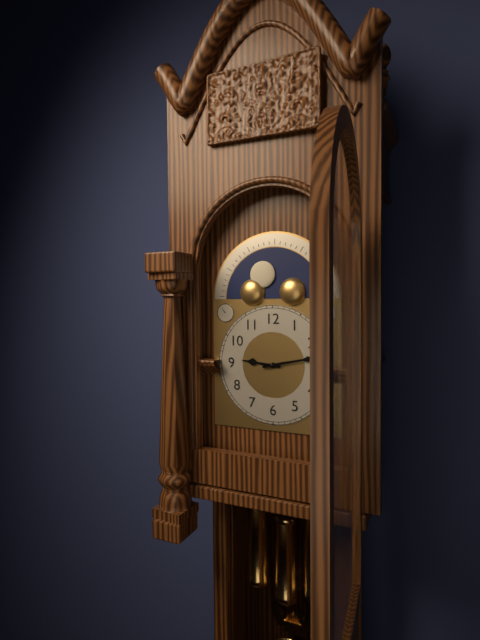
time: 9:13
